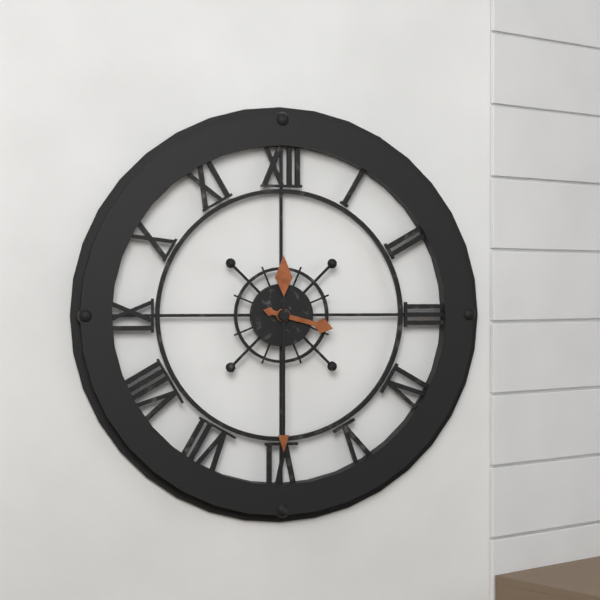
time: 3:30
